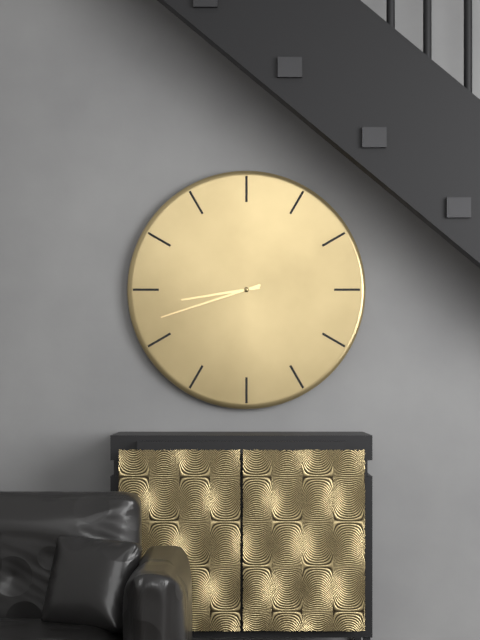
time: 8:42
